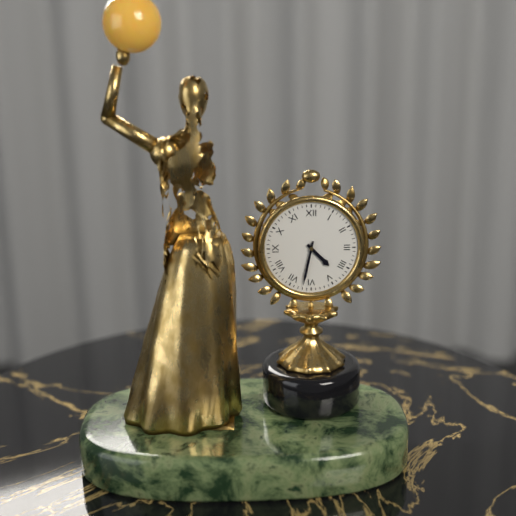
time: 4:32
